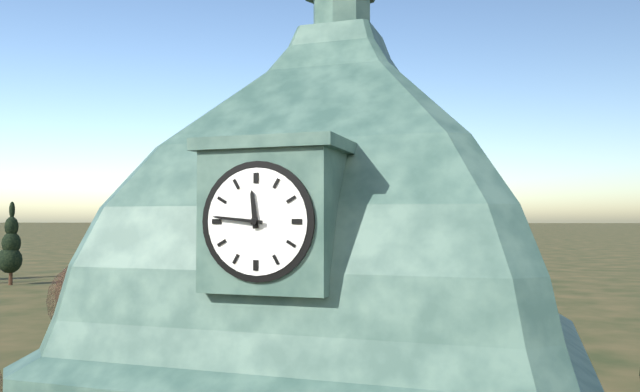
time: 11:46
